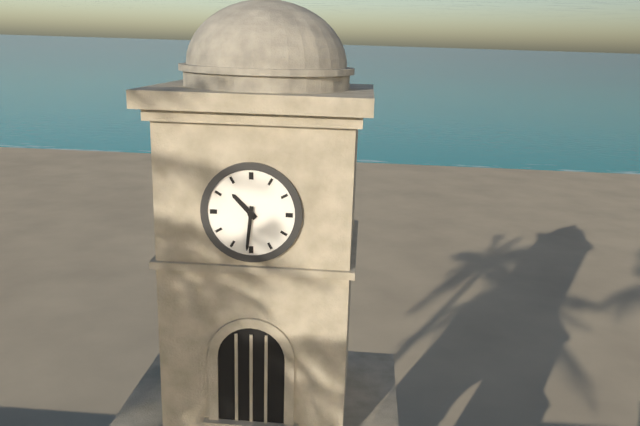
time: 10:31
